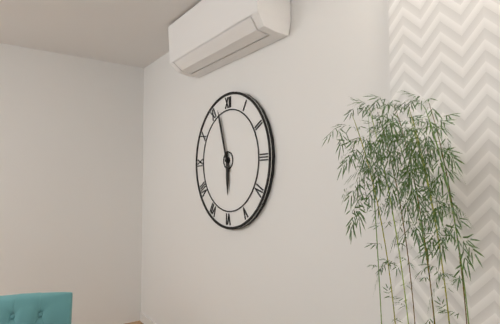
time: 5:57
